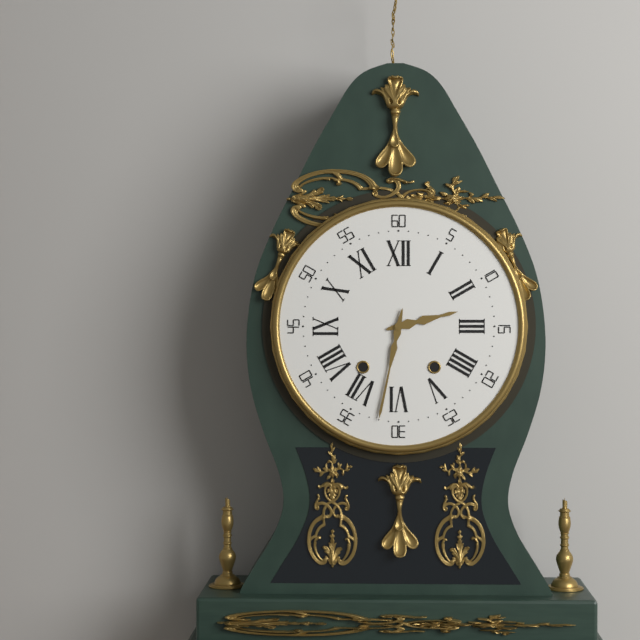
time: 2:32
